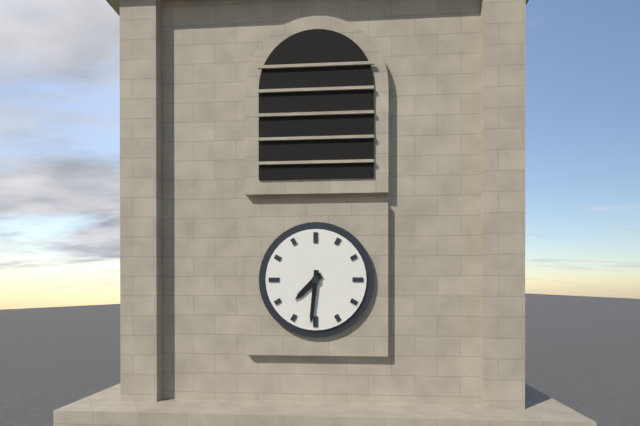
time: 7:31
